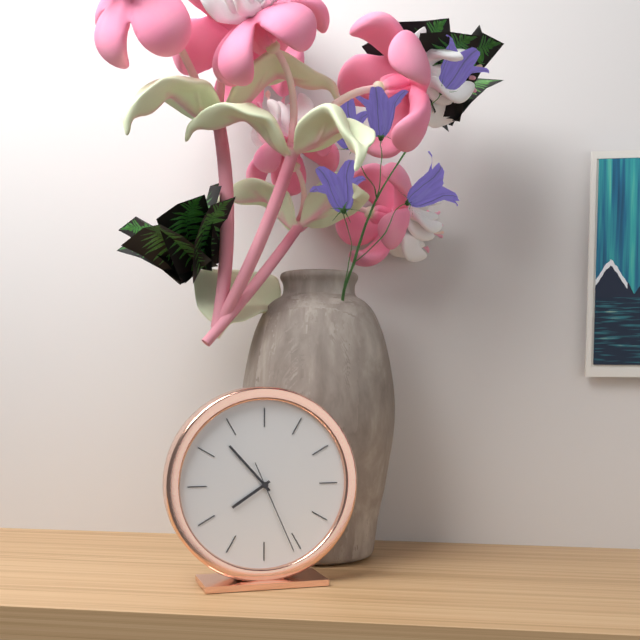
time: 7:53:26
